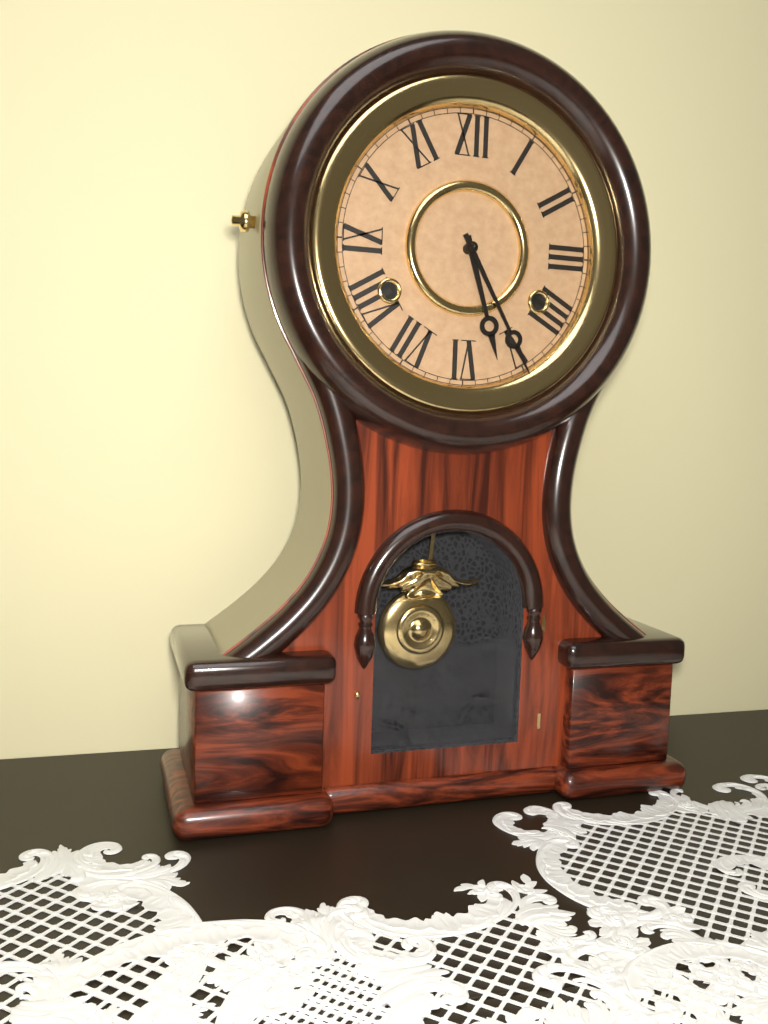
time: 5:25
